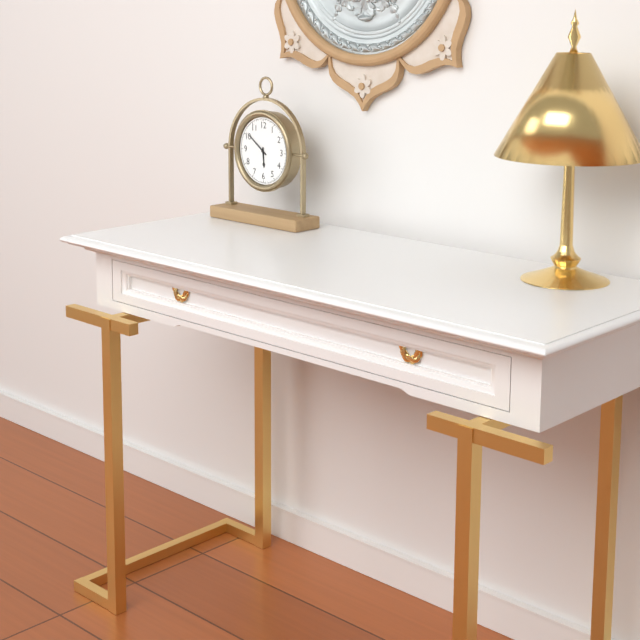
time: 5:51
